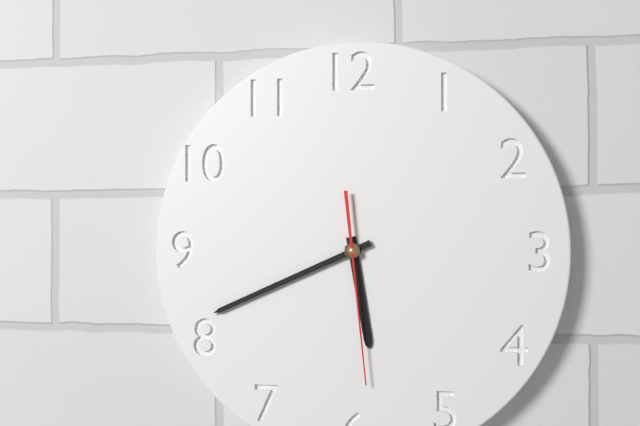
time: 5:41:29
